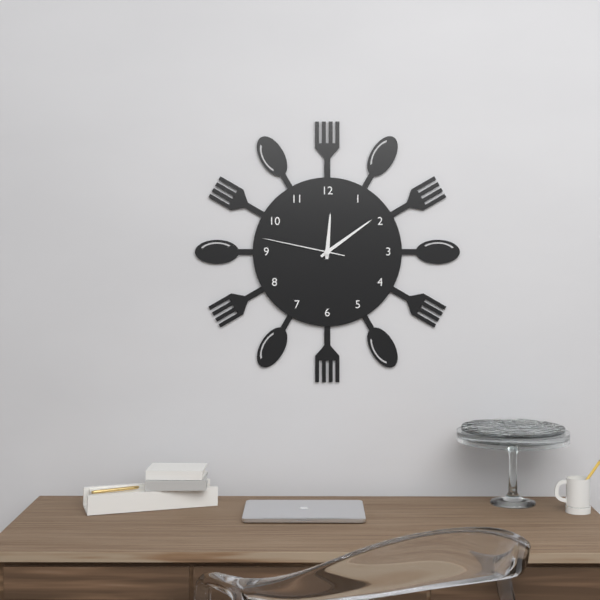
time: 12:09:47
